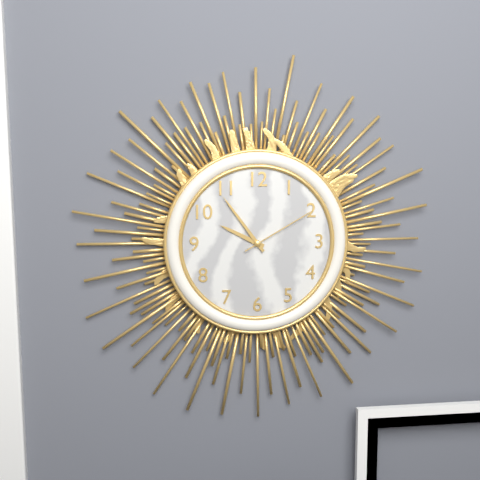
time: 9:54:10
